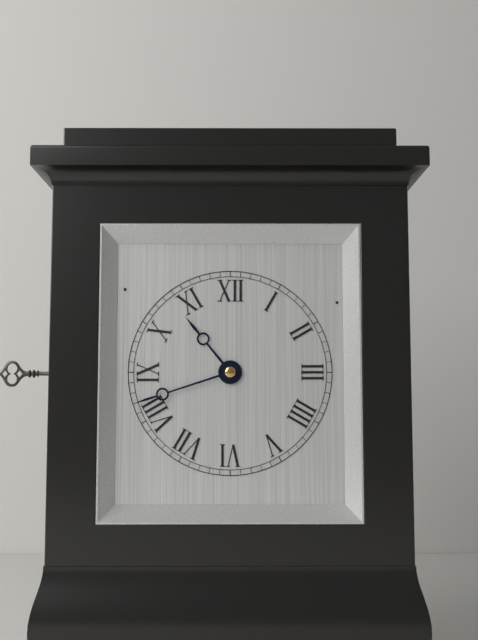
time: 10:42
